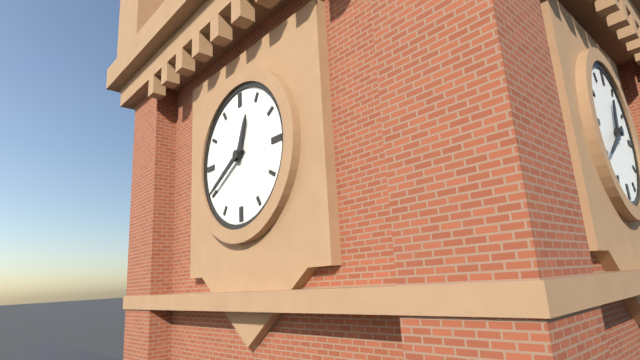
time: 12:40
